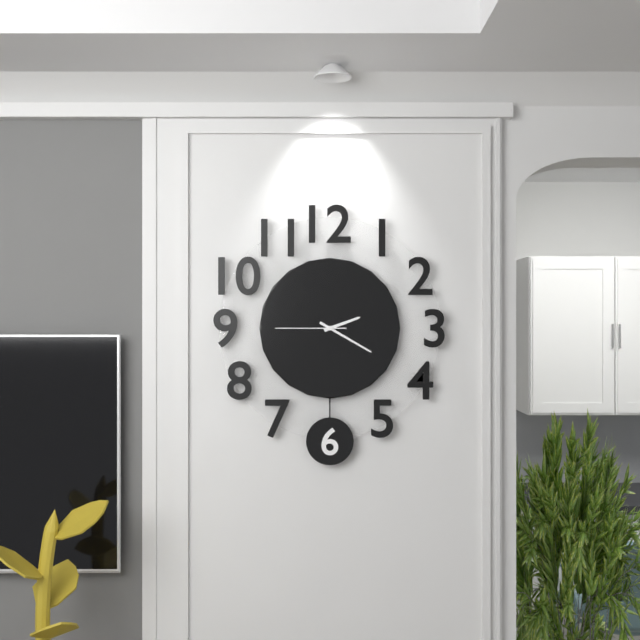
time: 2:20:45
